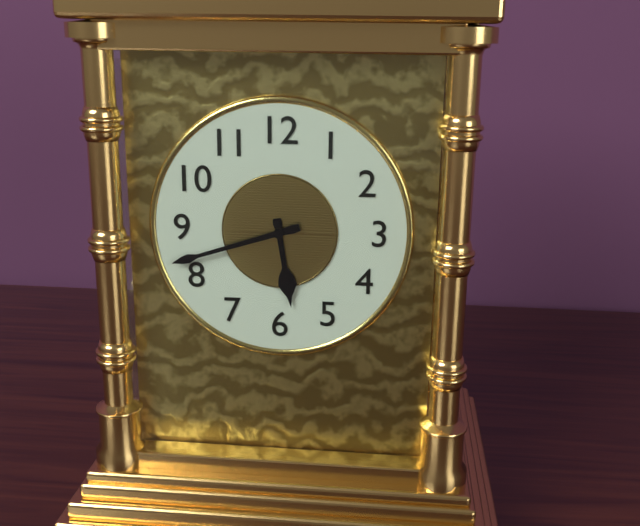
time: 5:42
